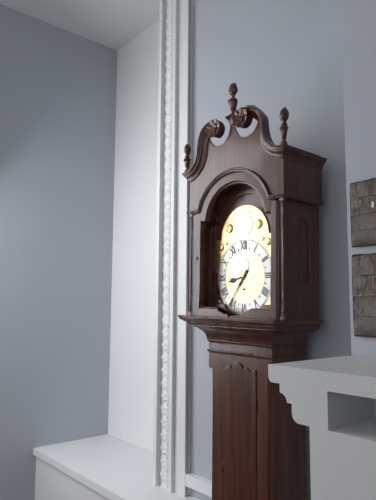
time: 8:36
